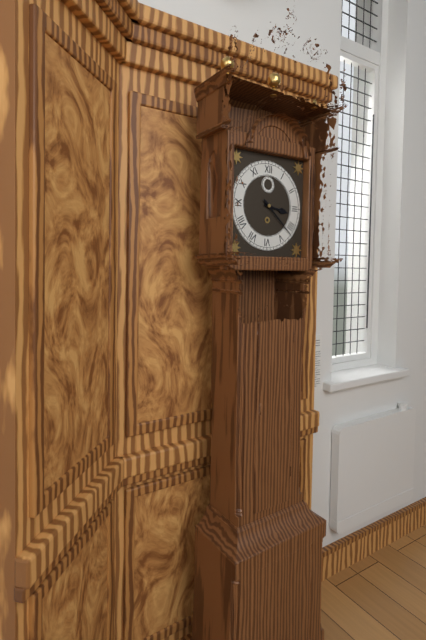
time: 3:22
